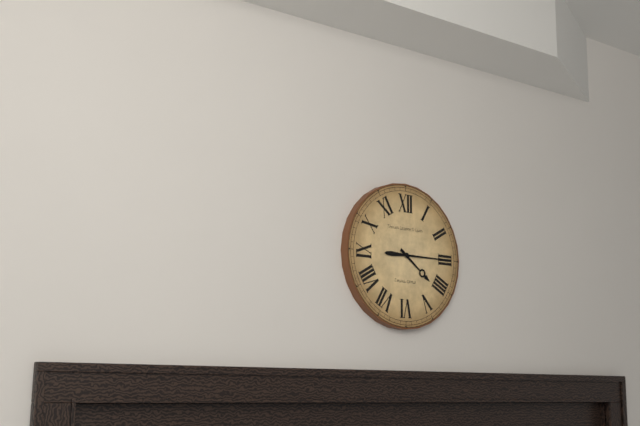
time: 4:15
